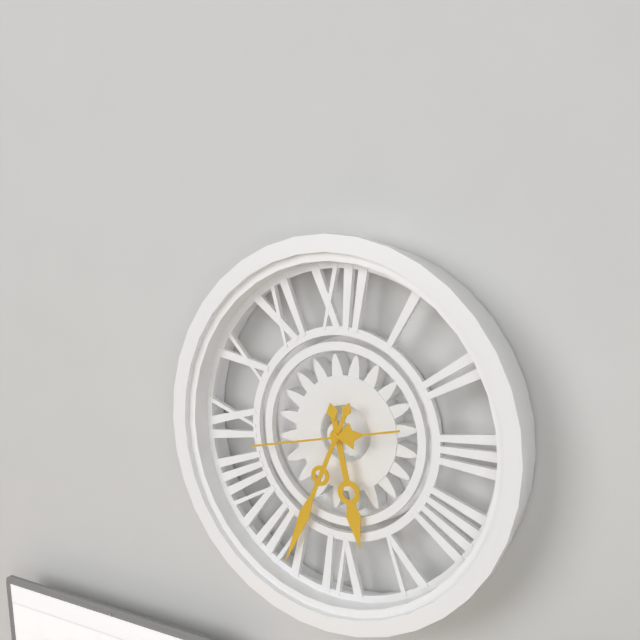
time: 5:34:43
